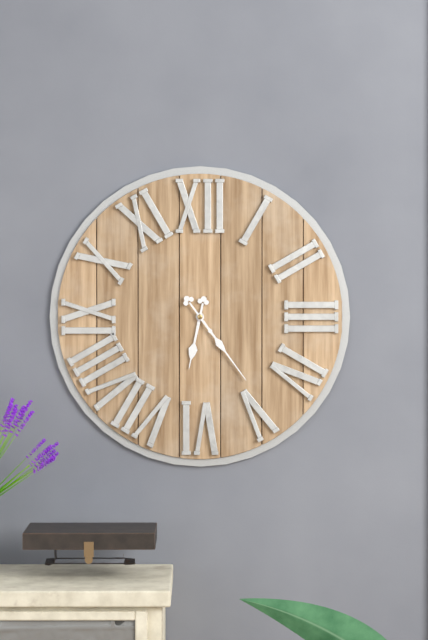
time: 6:24
